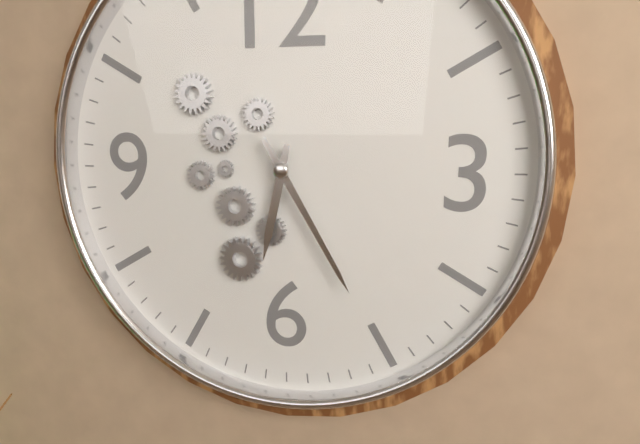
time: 6:25
